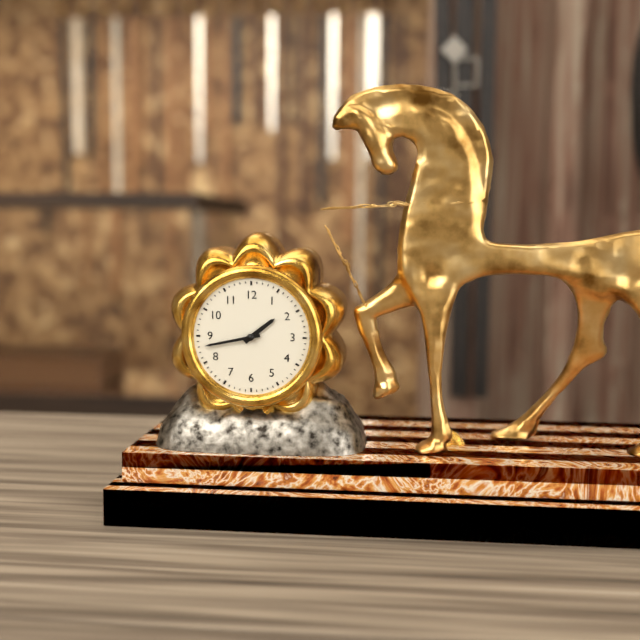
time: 1:43
